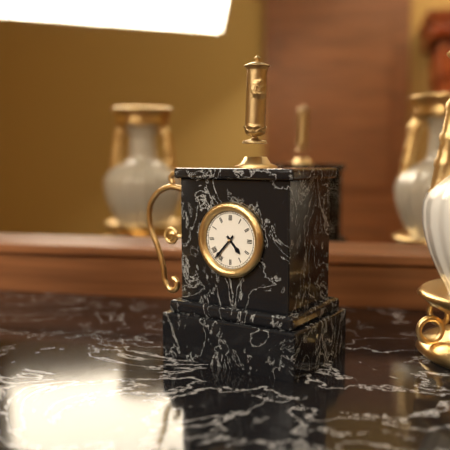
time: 4:37
